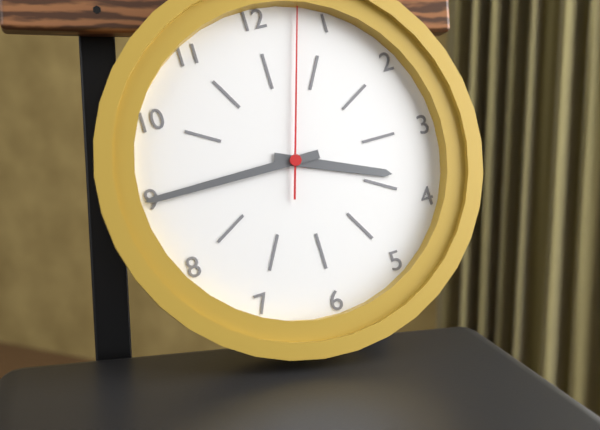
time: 3:45:03
